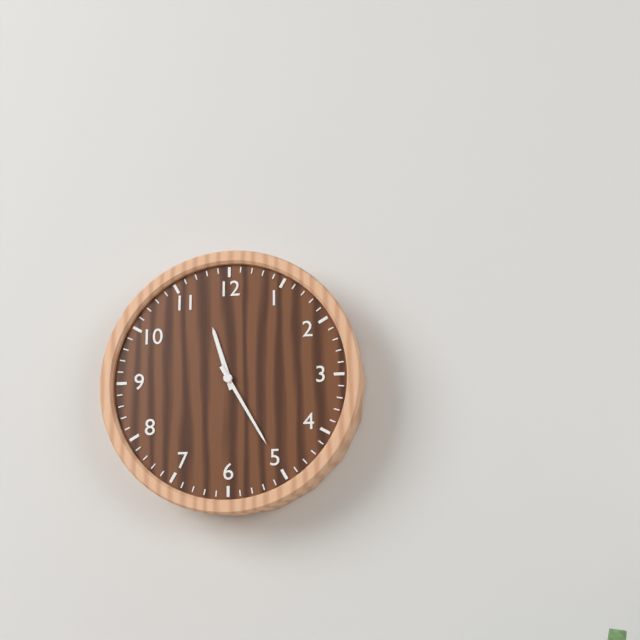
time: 11:25
